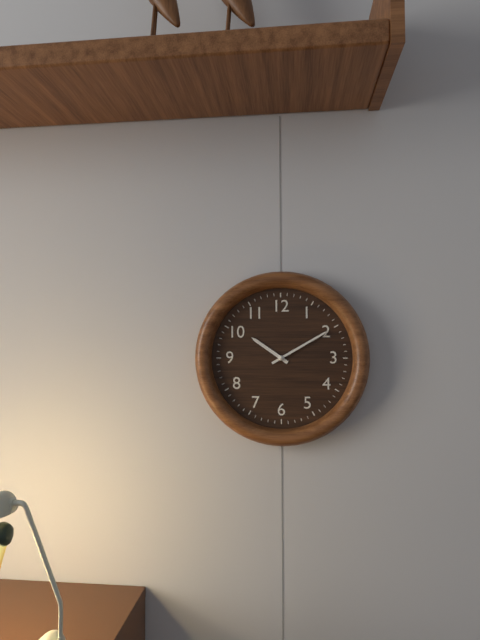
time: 10:10
